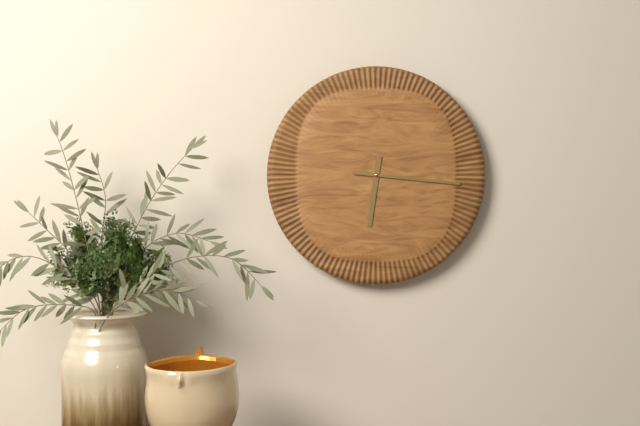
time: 6:16
